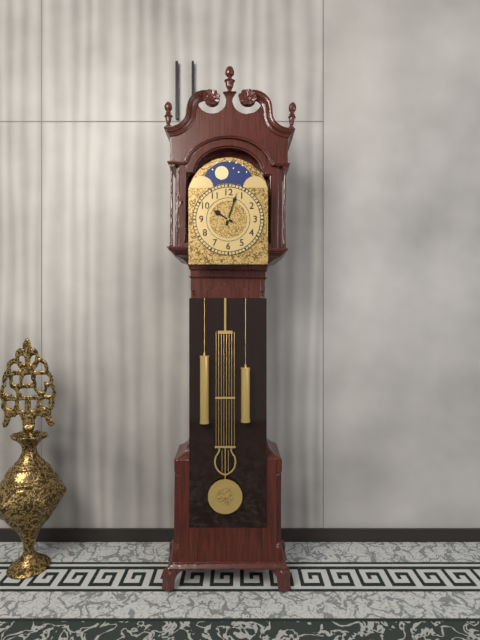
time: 10:03
